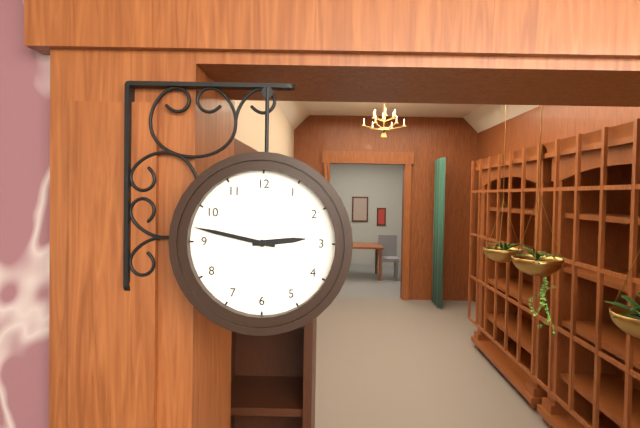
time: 2:47
